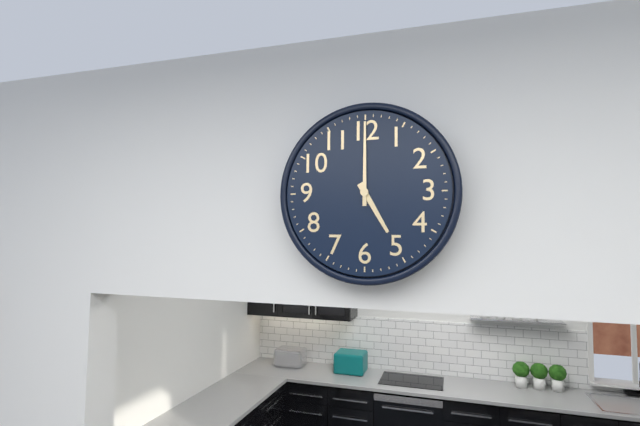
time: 5:00
